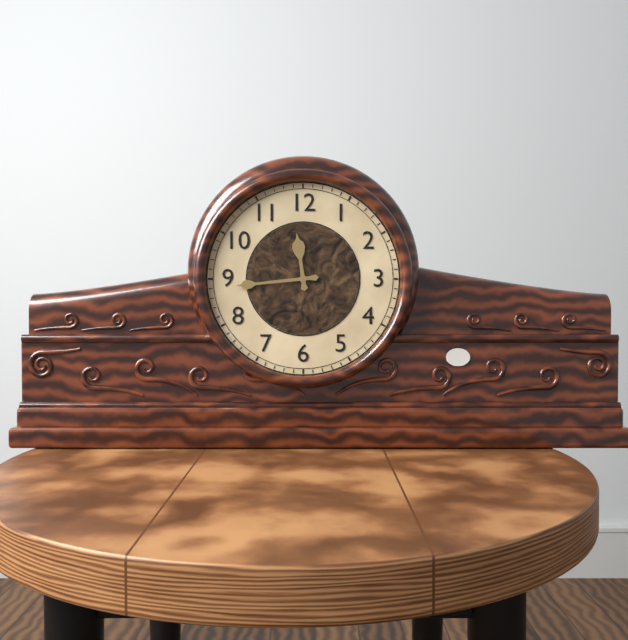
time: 11:44
